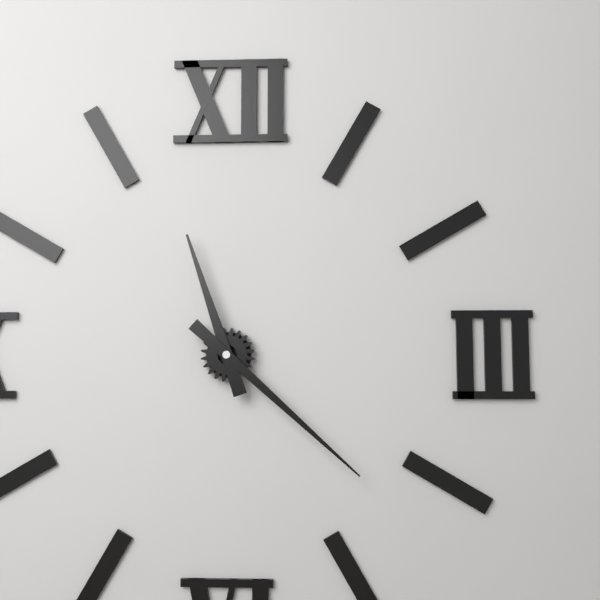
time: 11:22
